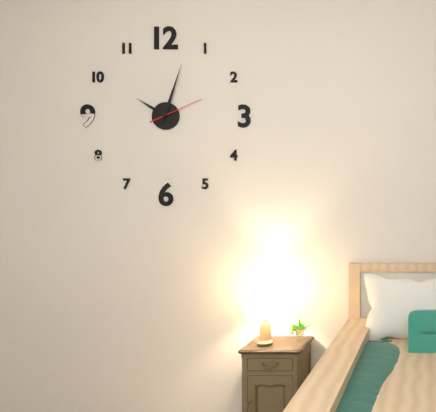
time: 10:03
